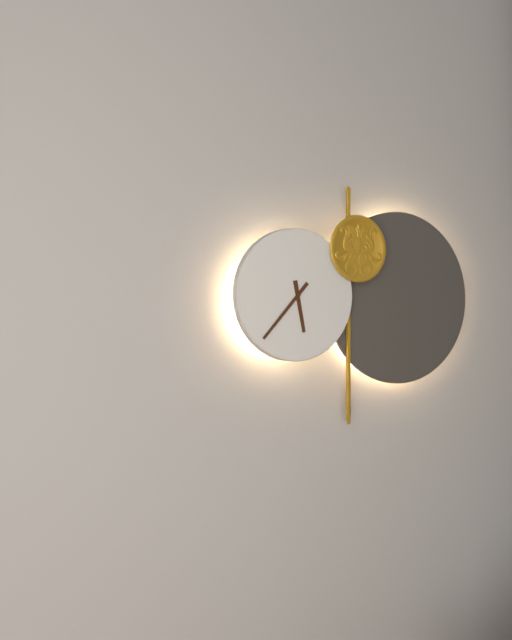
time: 5:37
